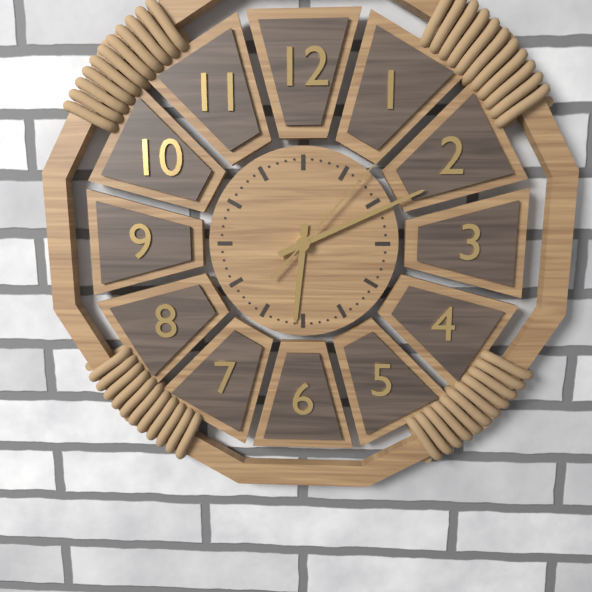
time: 6:11:07
